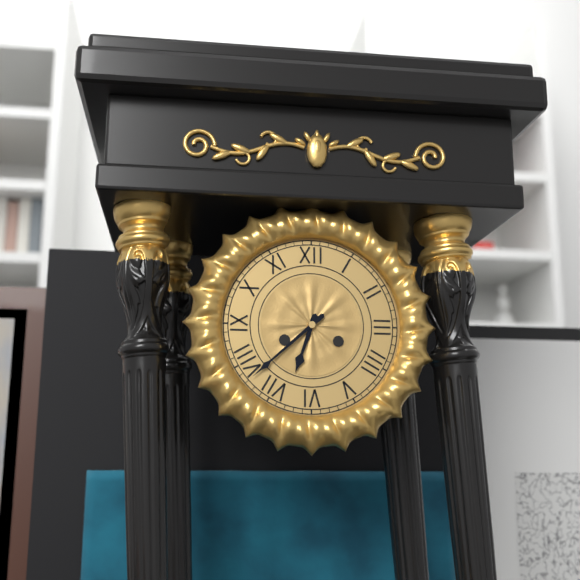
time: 6:38
